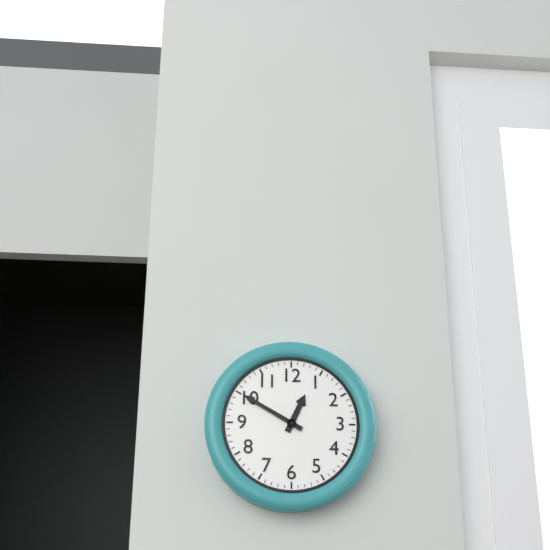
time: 12:50
